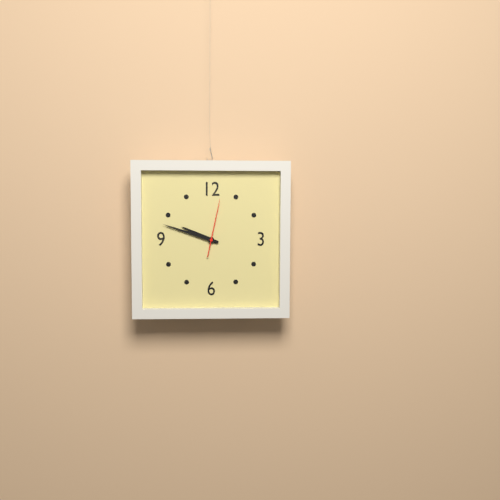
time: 9:48:02
